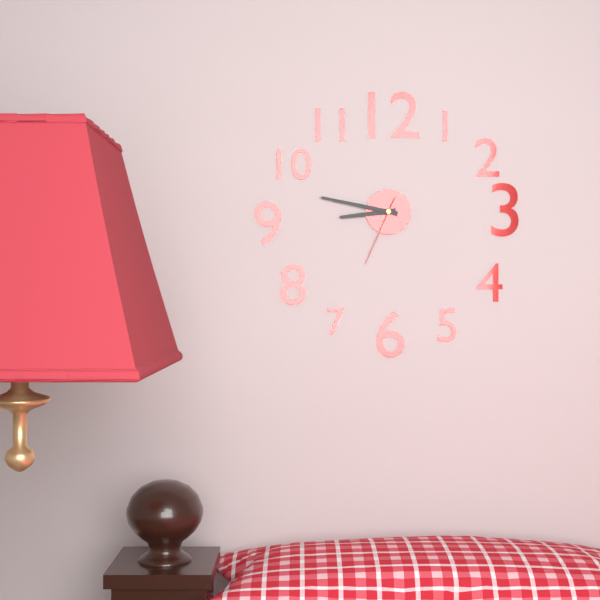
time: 8:47:34
